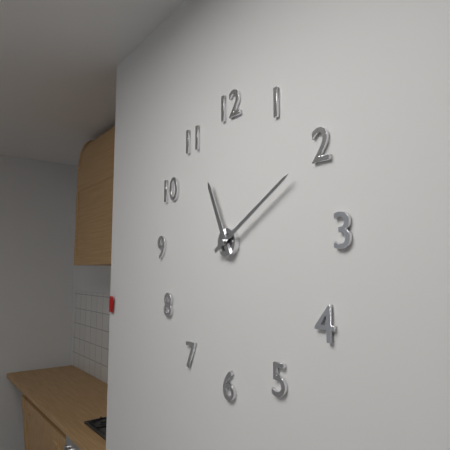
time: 11:10
